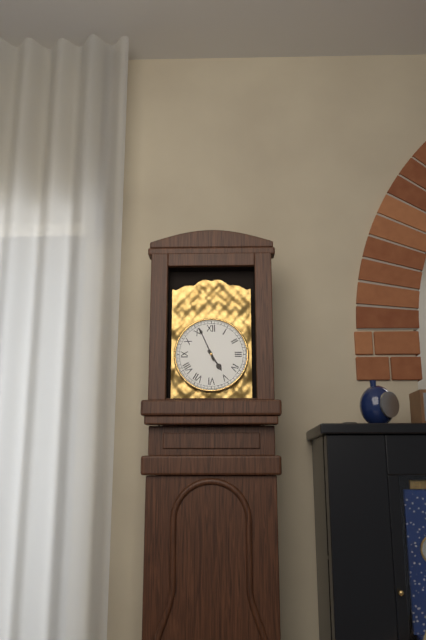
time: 4:56
